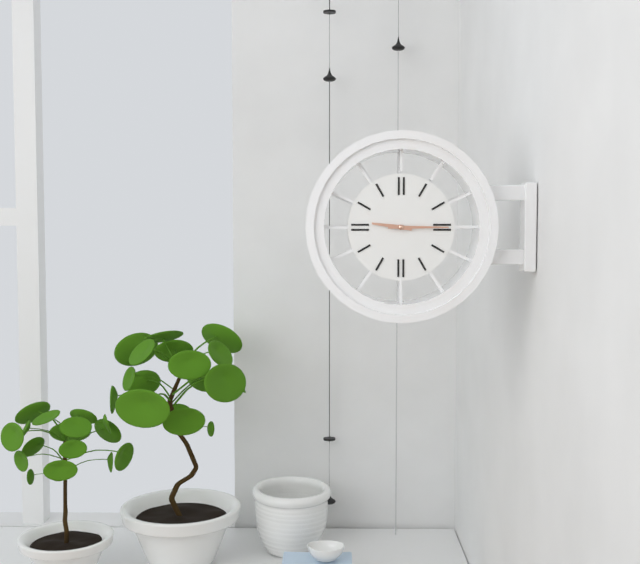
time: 9:15
